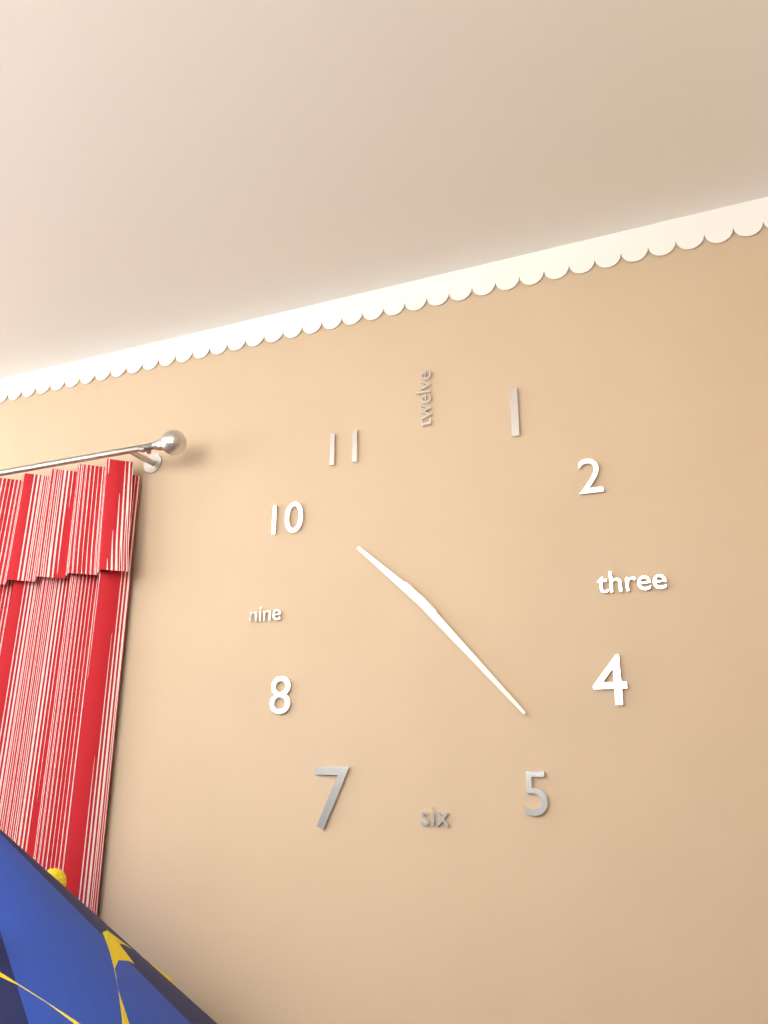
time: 10:23
